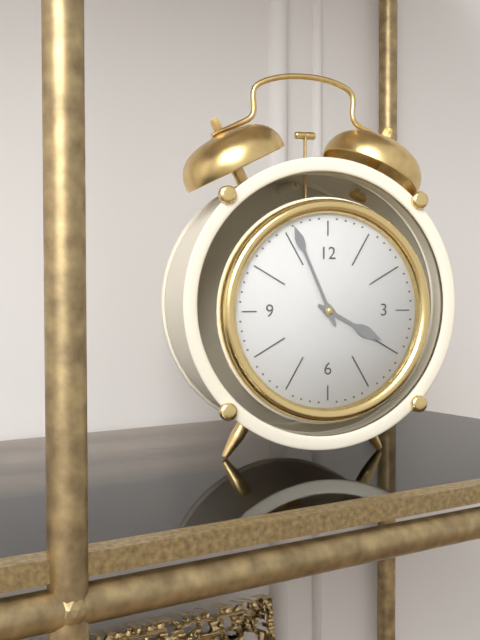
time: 3:56
